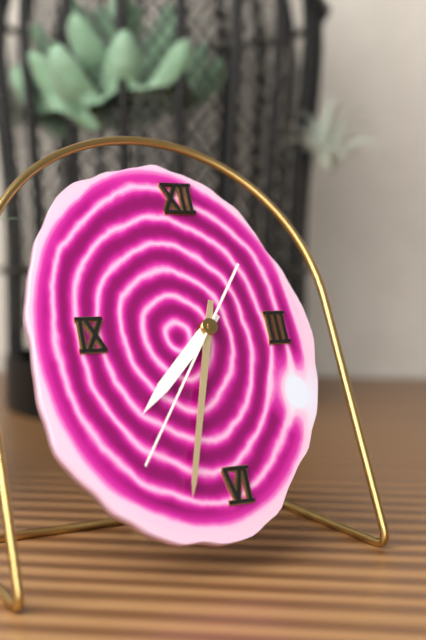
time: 7:33:36
